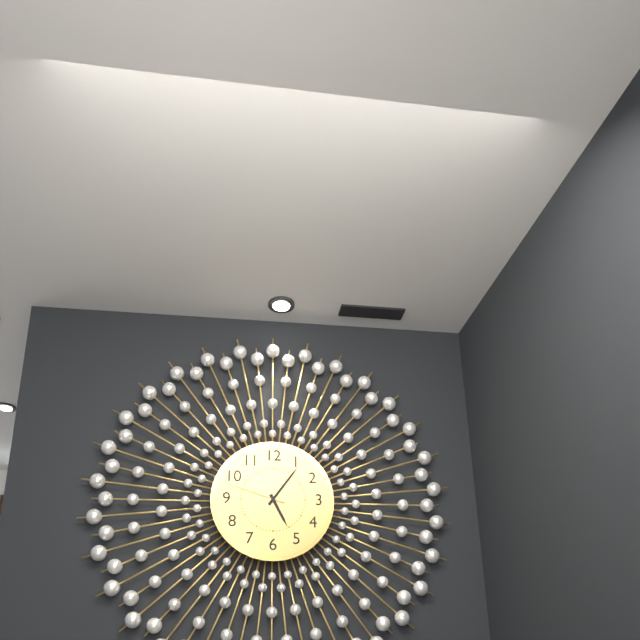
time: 5:06:48
